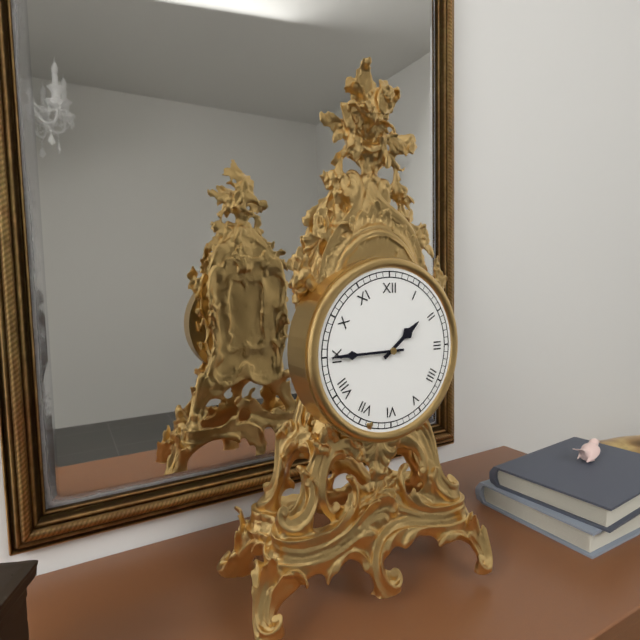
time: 1:45
